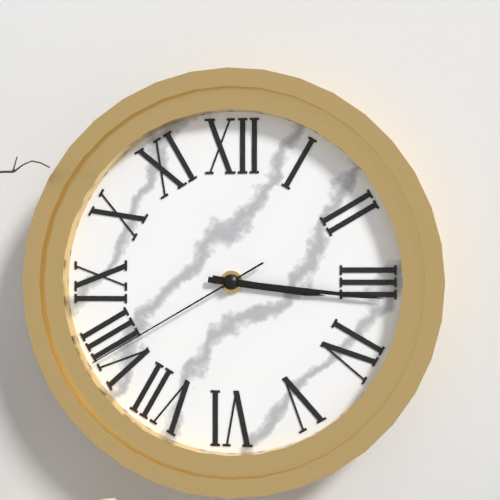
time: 3:16:40
